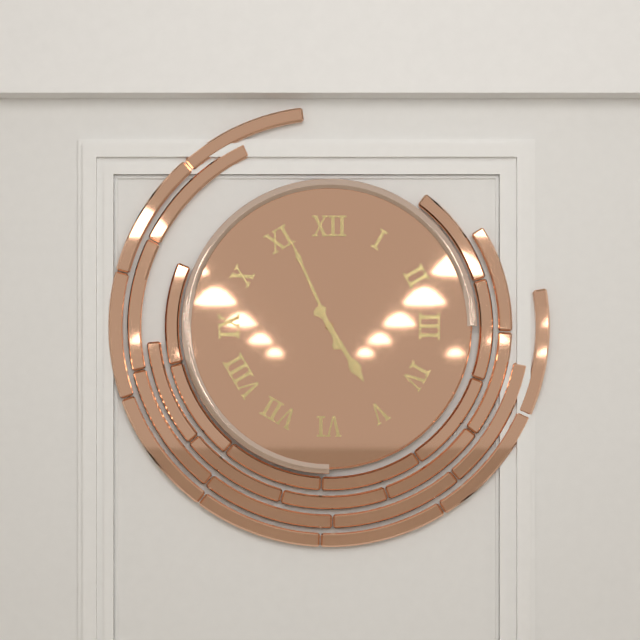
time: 4:56
